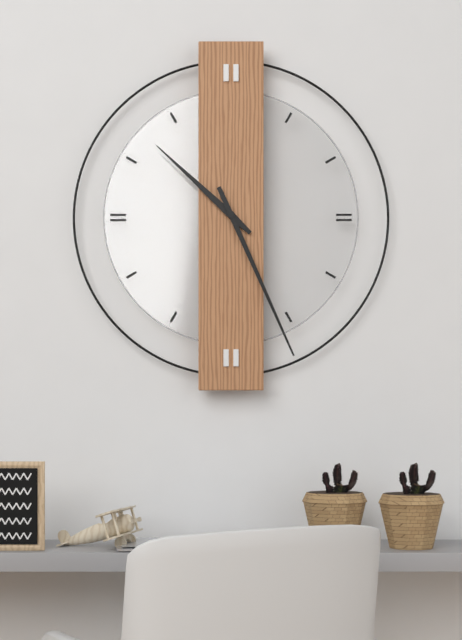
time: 10:26
